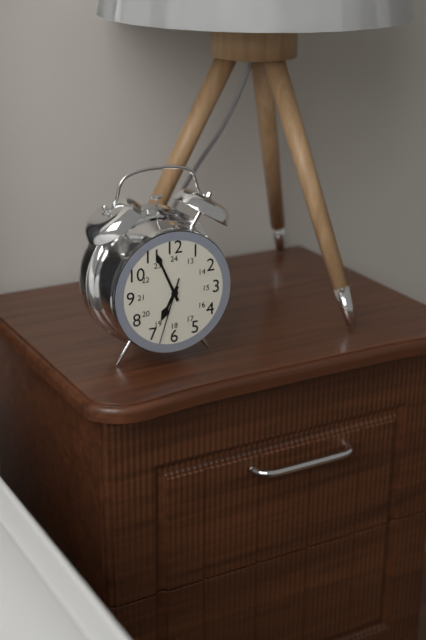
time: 6:56:33
